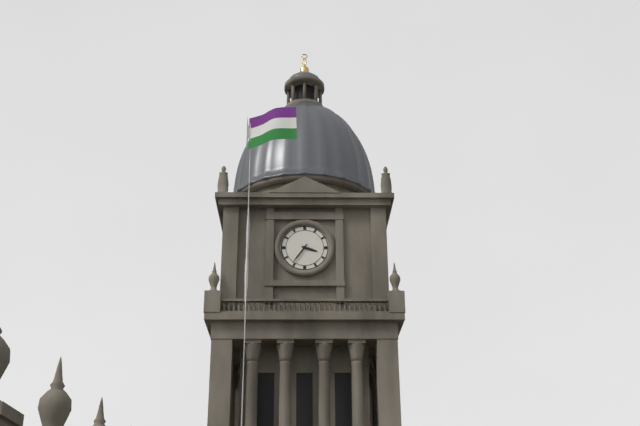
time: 3:36
